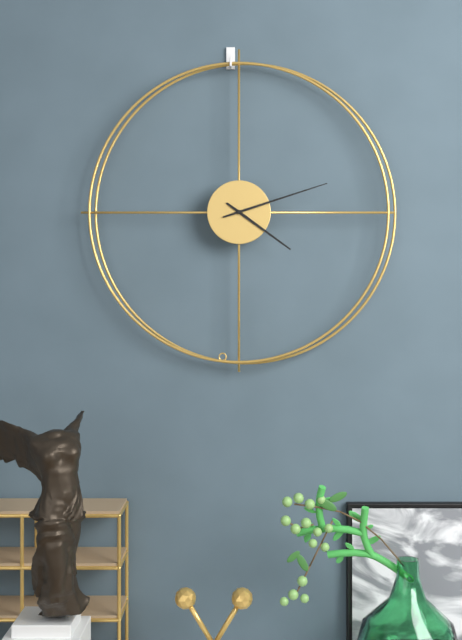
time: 4:12
